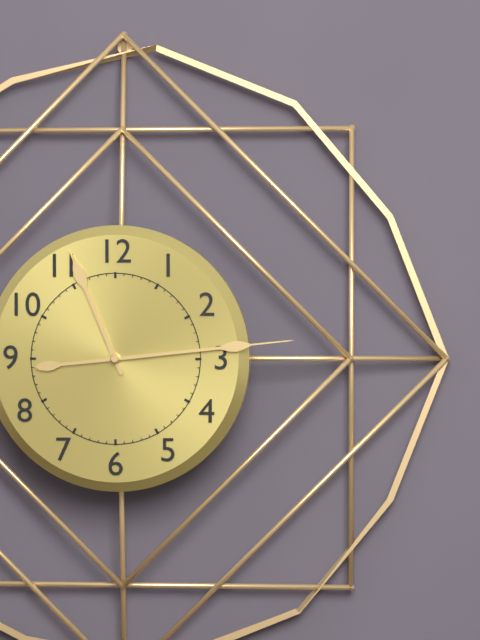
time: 11:14
